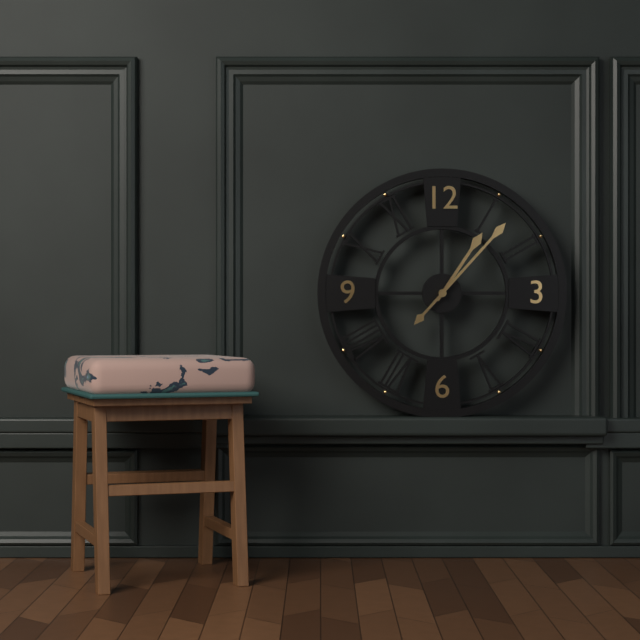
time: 1:07
